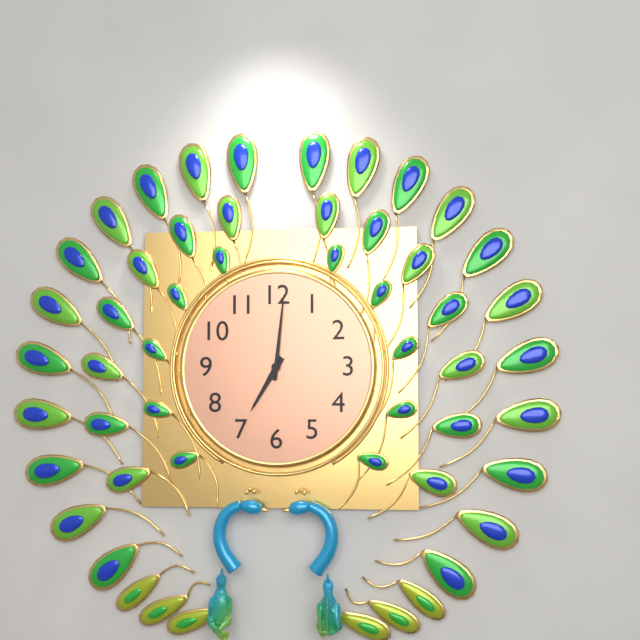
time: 7:01
